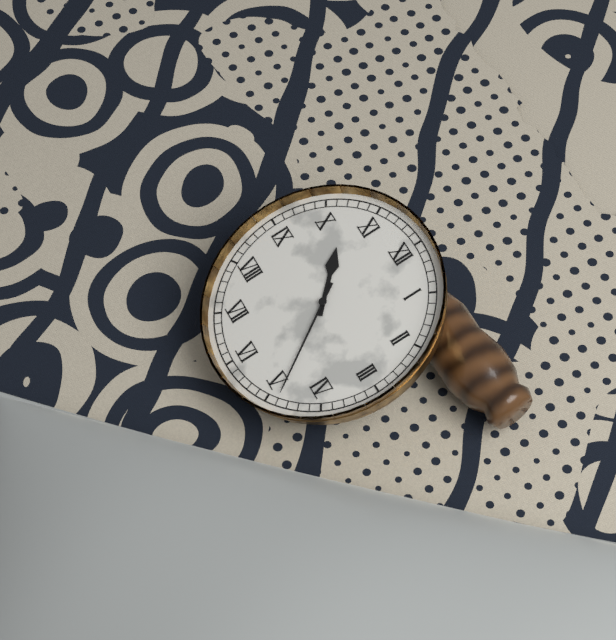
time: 10:24
